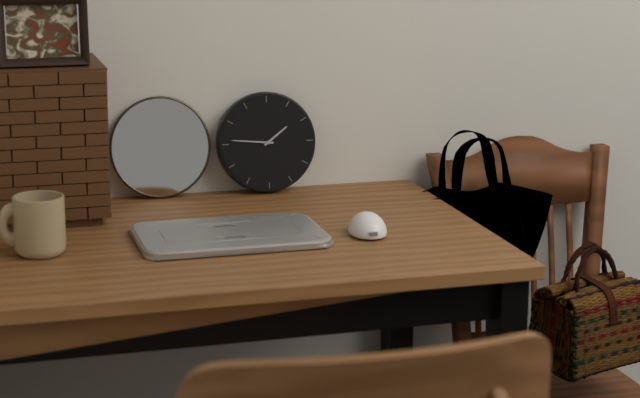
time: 1:46
